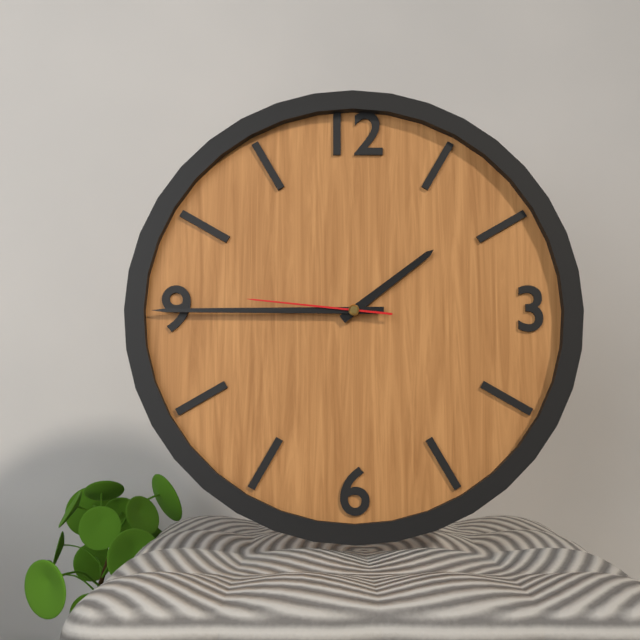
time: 1:45:46
